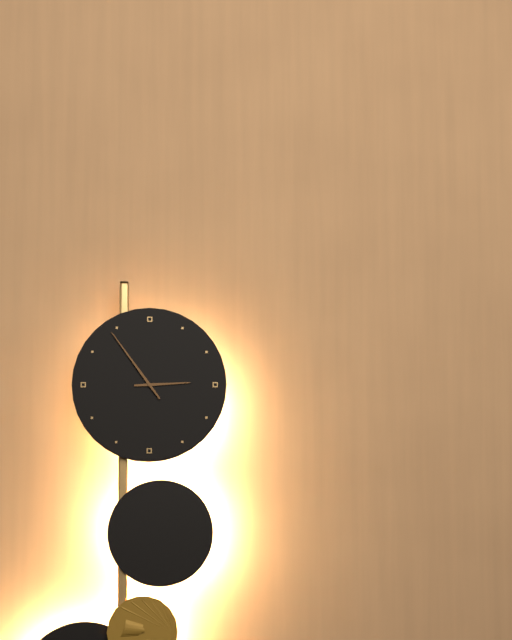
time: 2:54
